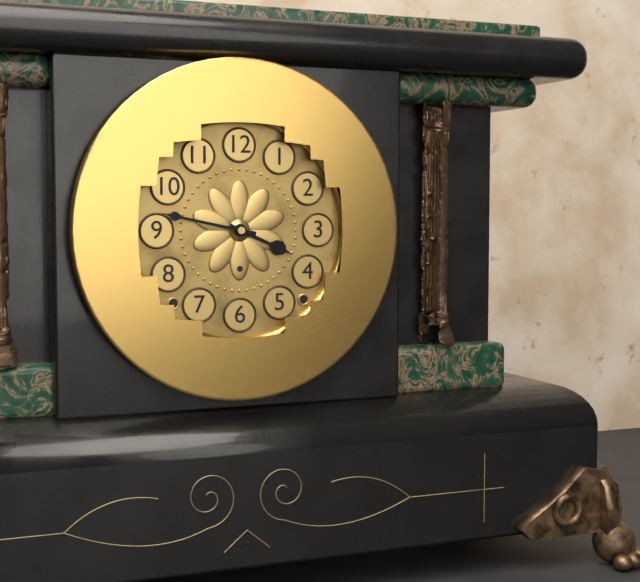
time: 3:47
